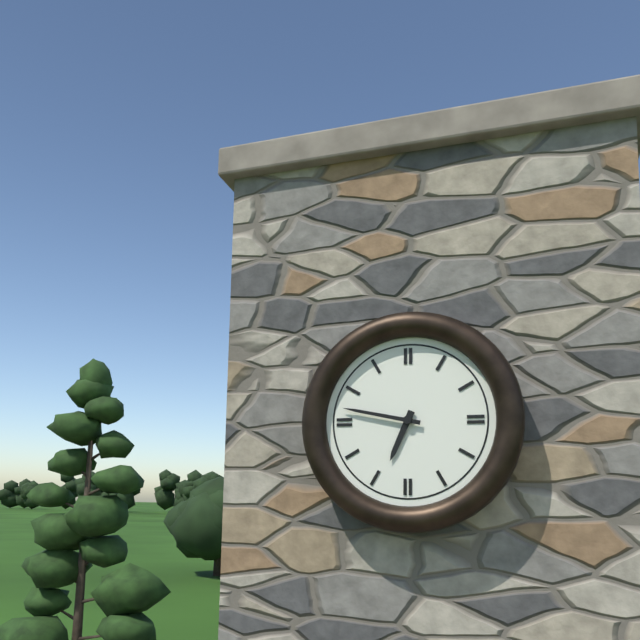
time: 6:47
